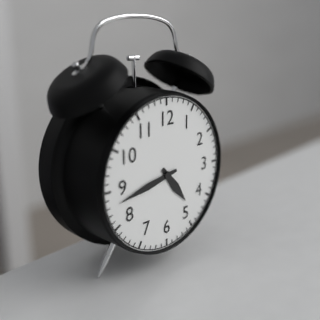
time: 4:43
